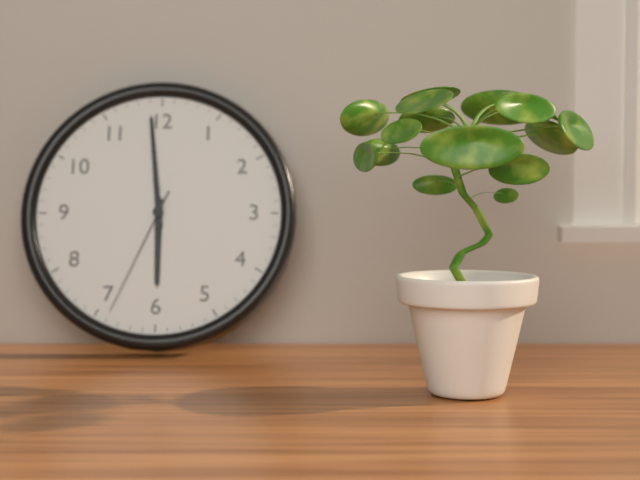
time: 5:59:34
